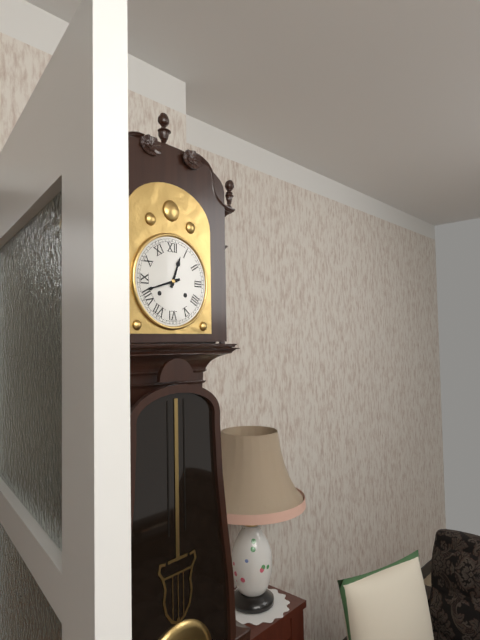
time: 12:42
